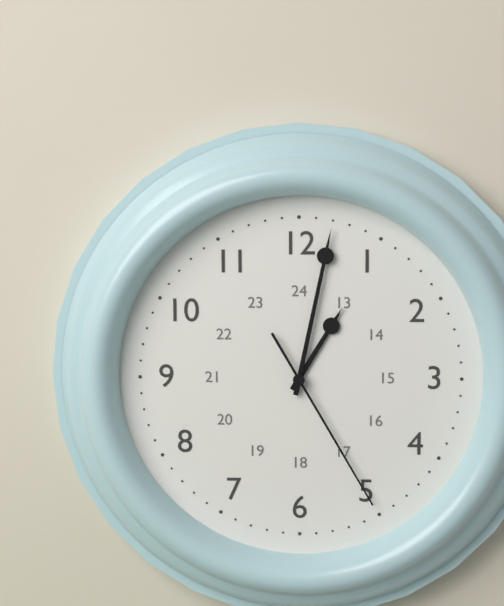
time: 1:02:25
